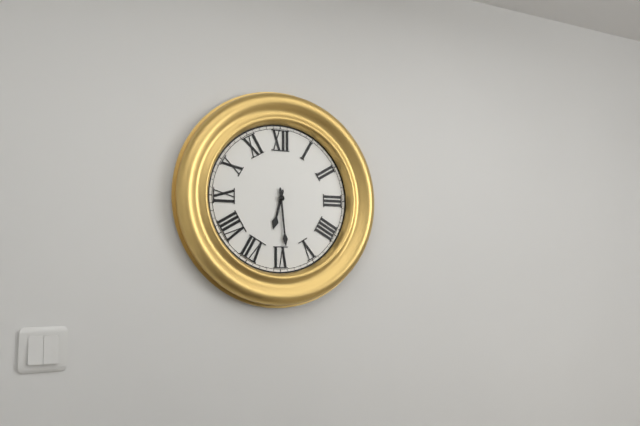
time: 6:29
